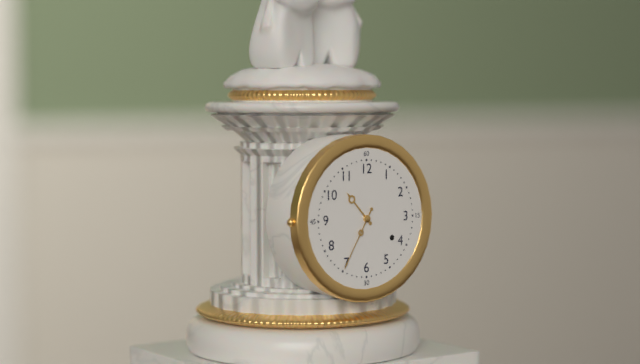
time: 10:35
